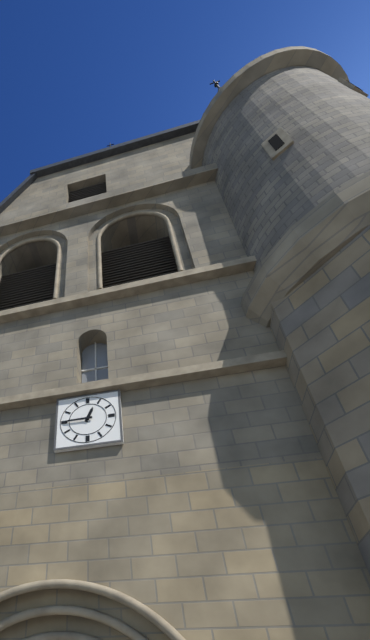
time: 12:45
